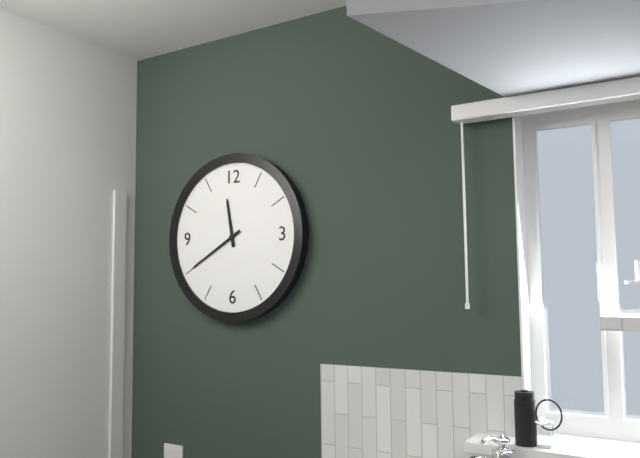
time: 11:40
